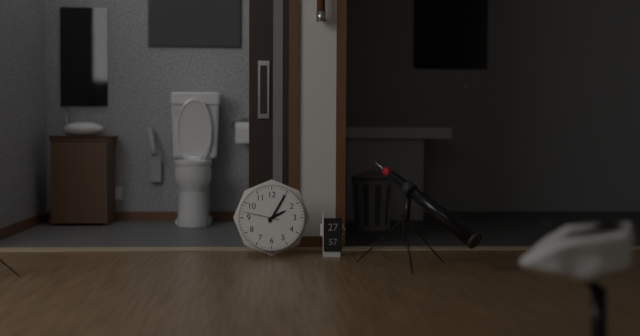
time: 2:05
